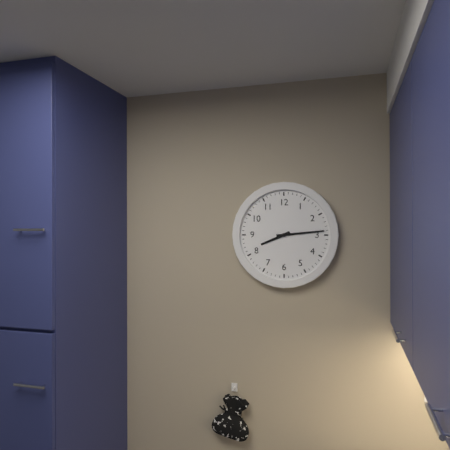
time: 8:14
